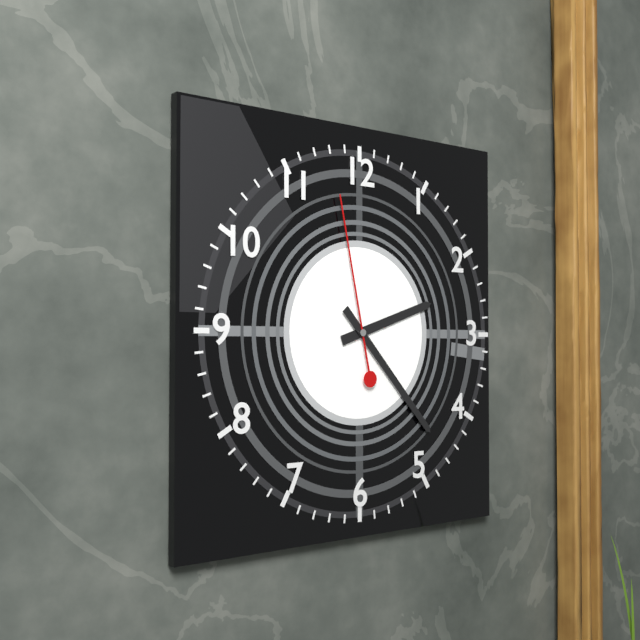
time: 2:23:58
